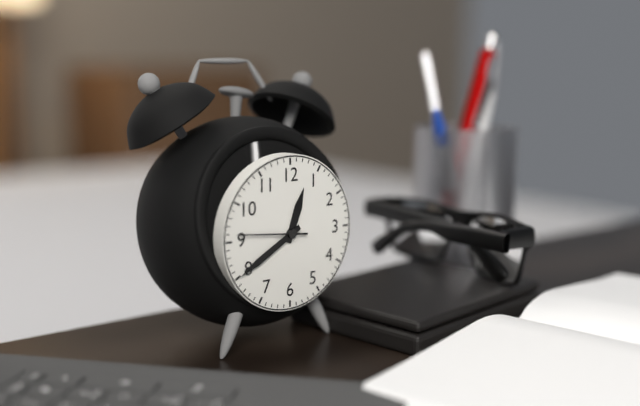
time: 12:40:46
